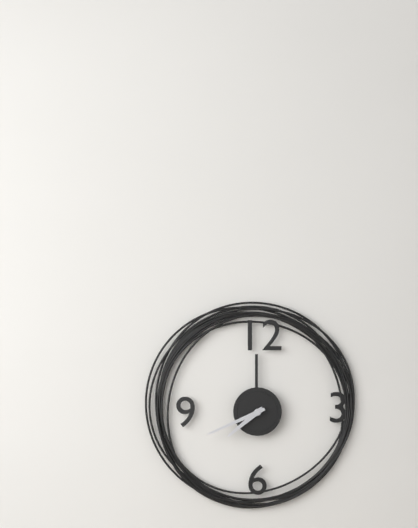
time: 7:41
